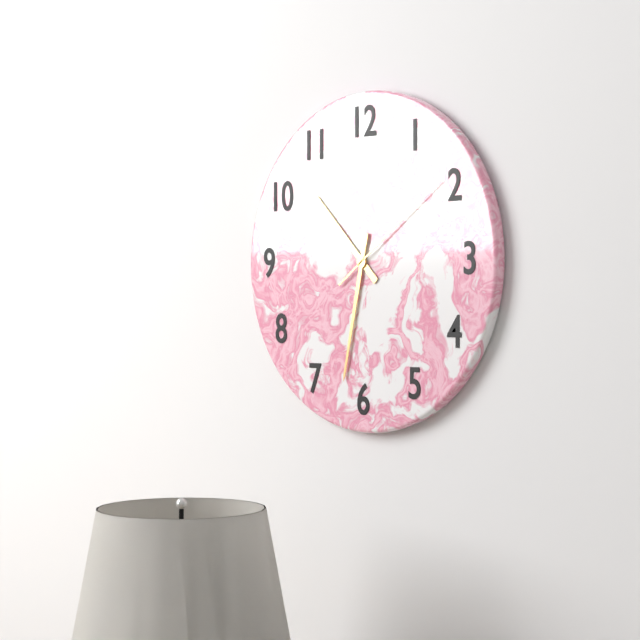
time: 10:32:09
